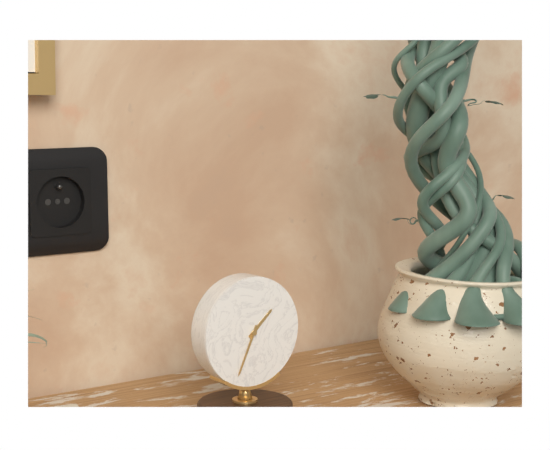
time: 1:34
